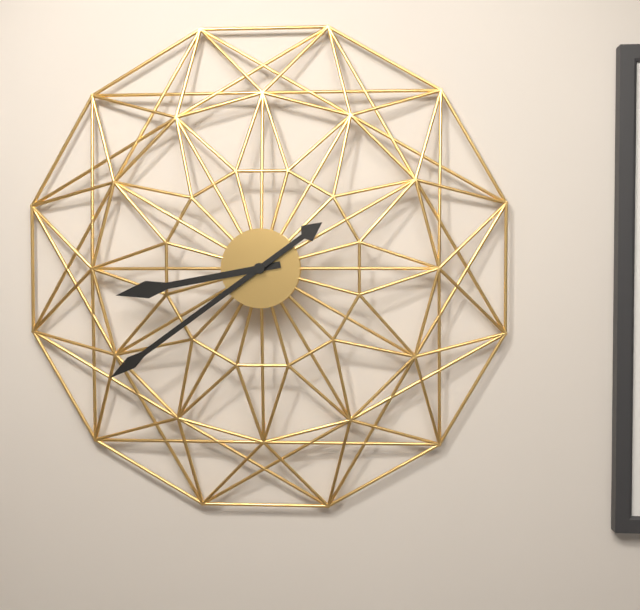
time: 8:39
